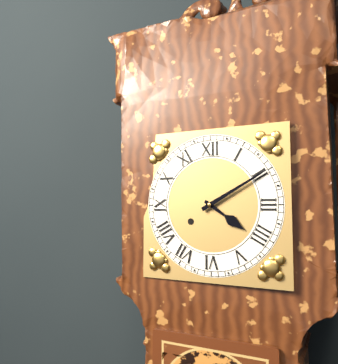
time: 4:10
